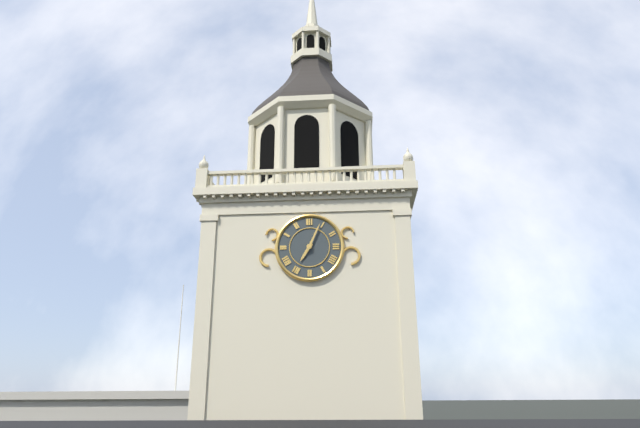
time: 7:04
